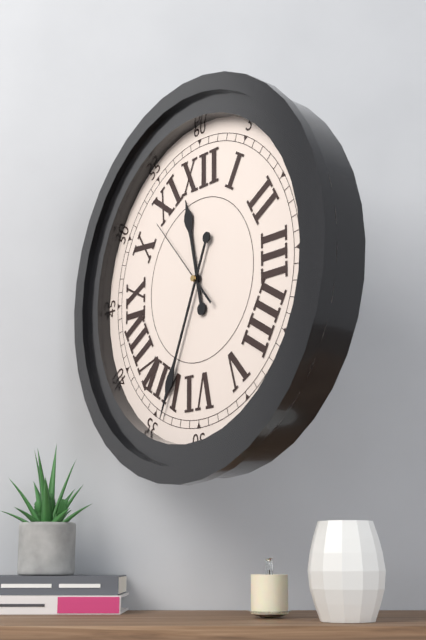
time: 11:34:53
